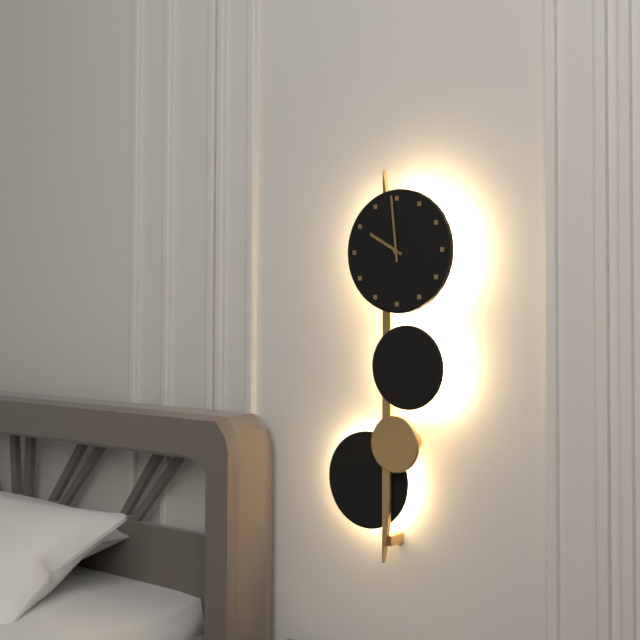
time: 9:59
